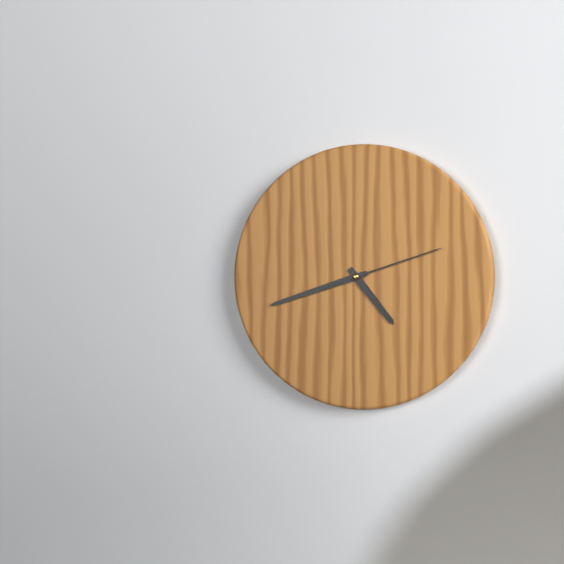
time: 4:42:12
